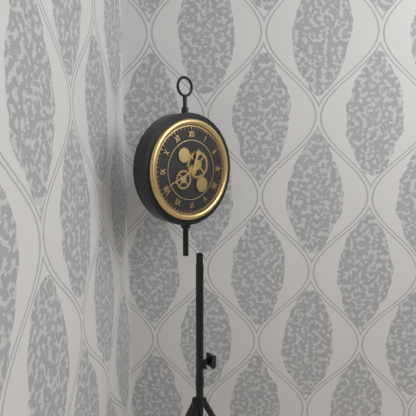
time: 12:41
